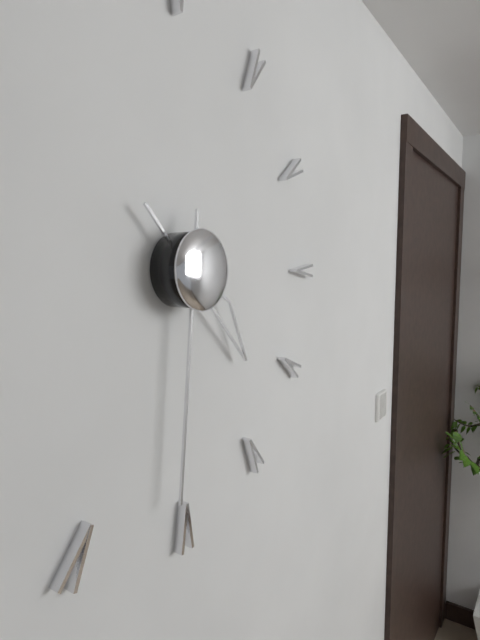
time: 4:31
